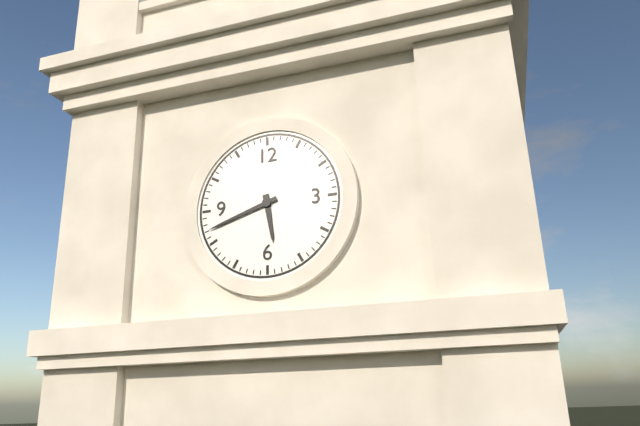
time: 5:42
